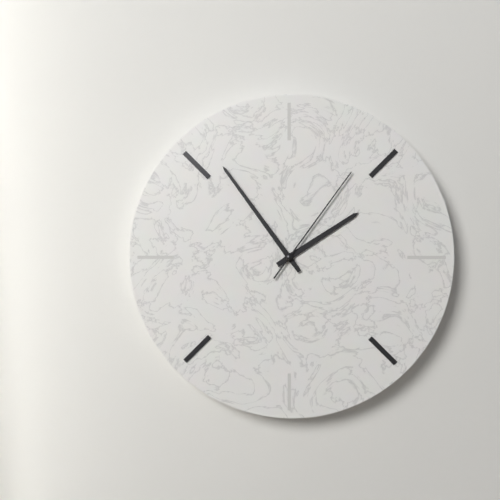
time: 1:54:06
